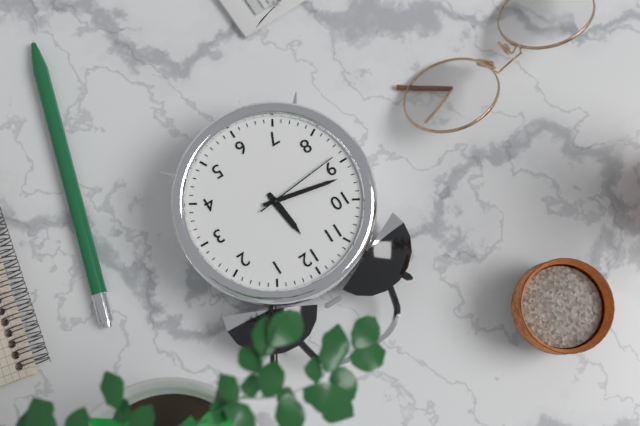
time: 11:47:44
